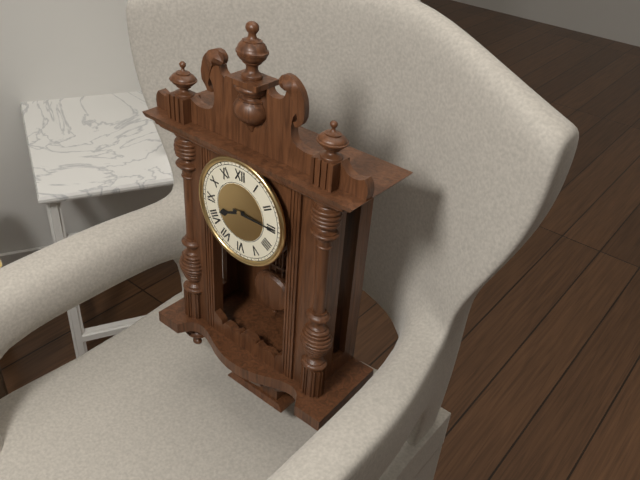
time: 8:15
